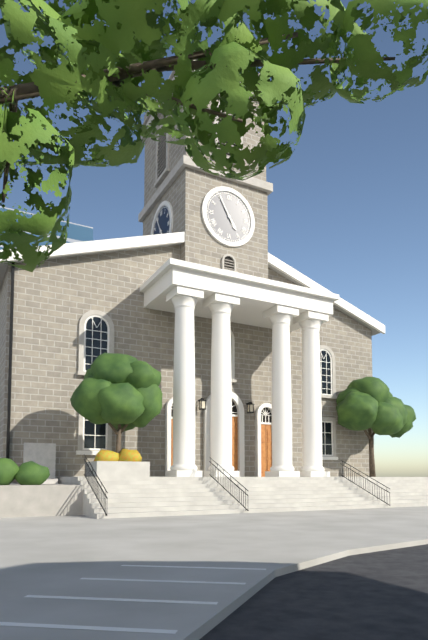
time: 4:55
